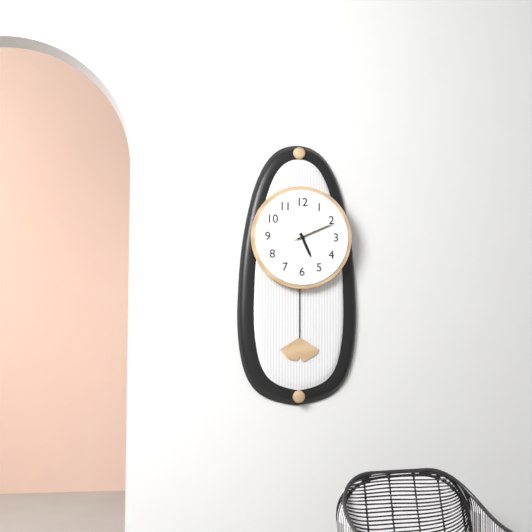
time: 5:11
